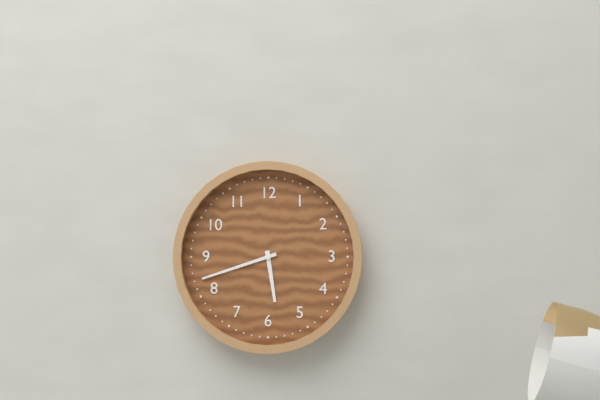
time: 5:42
